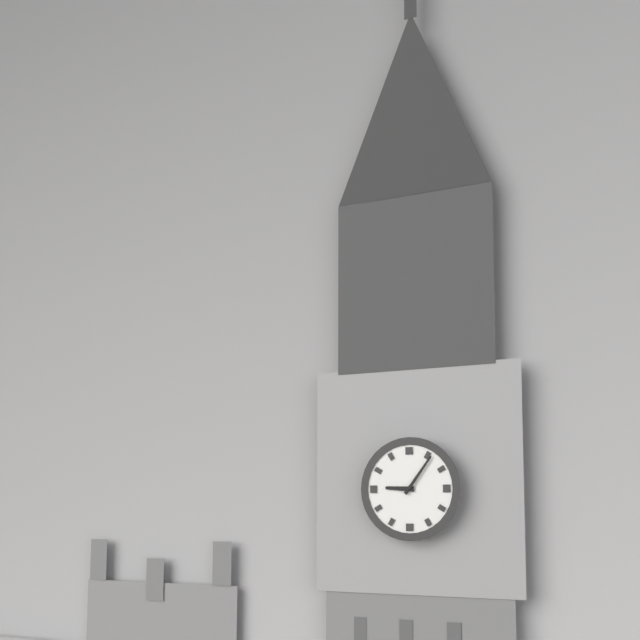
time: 9:06
